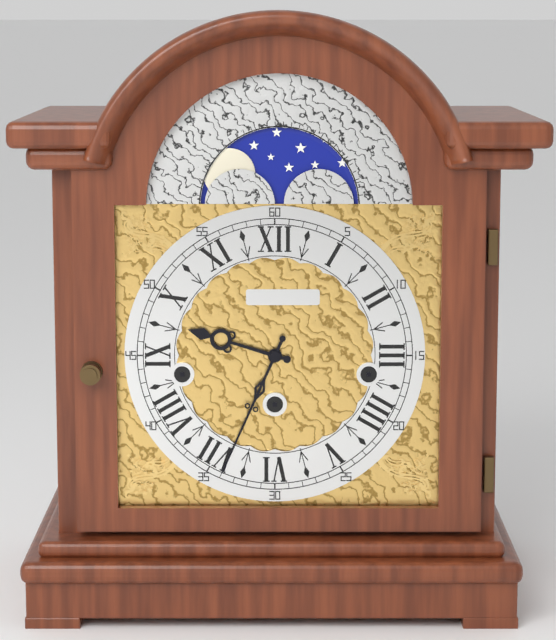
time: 9:34
